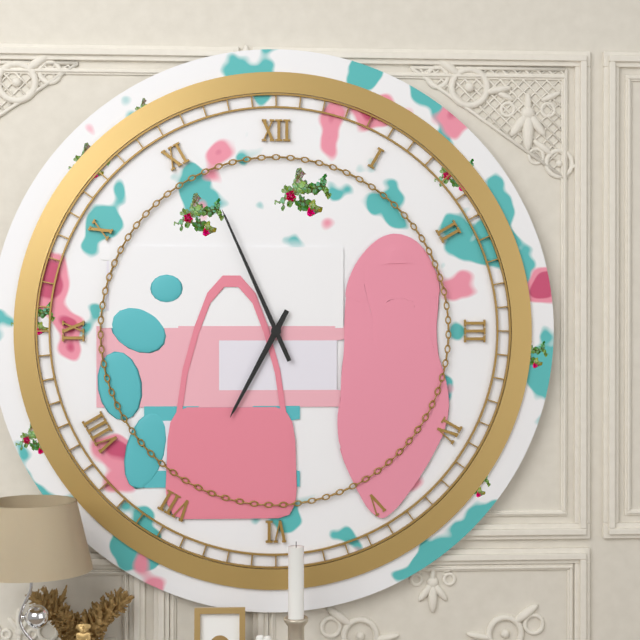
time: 6:56
